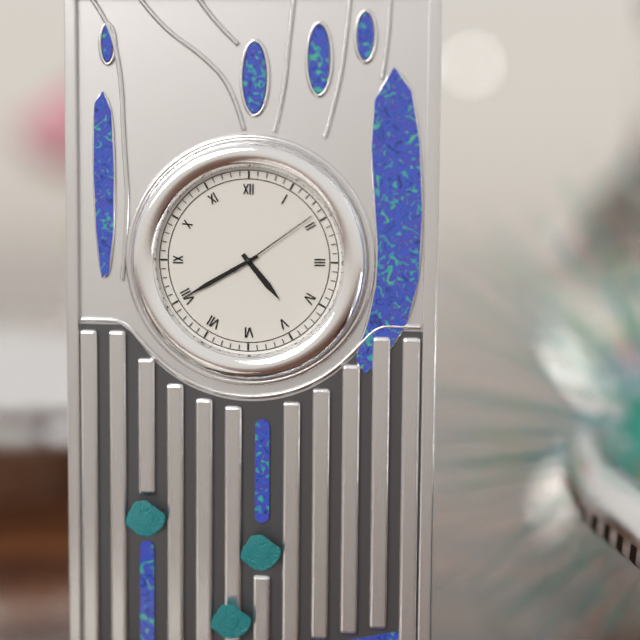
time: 4:40:09
